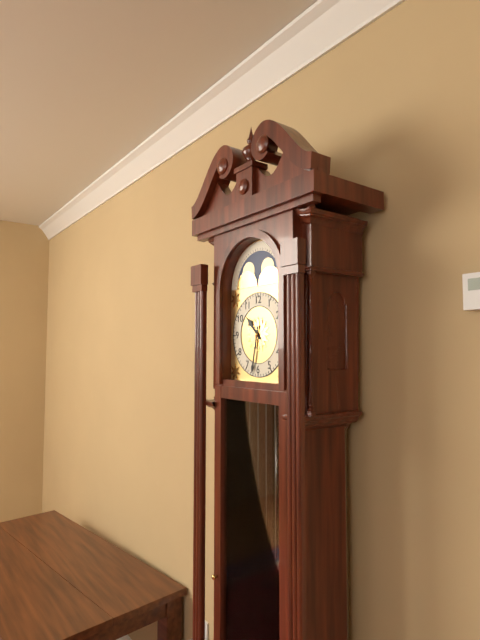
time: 10:32
